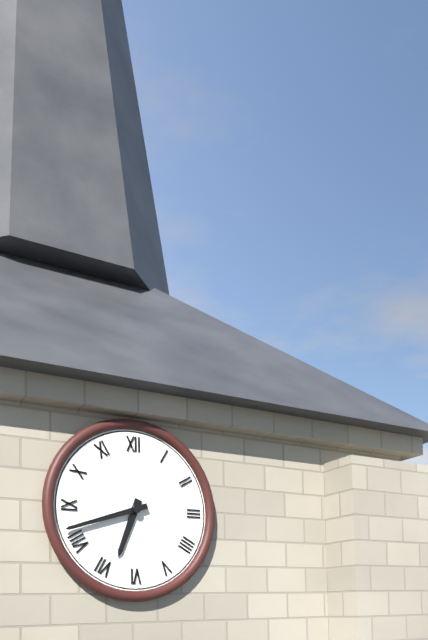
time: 6:42
